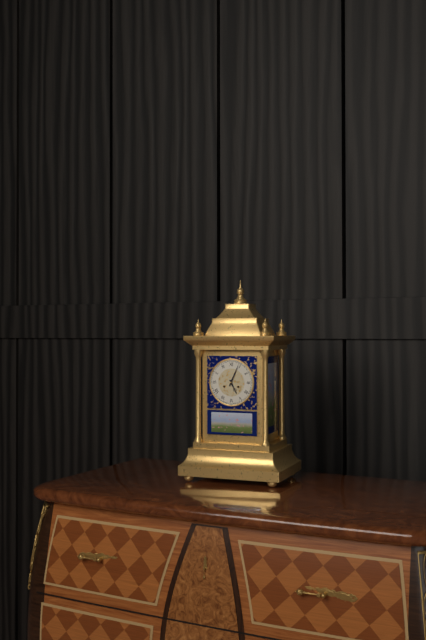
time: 5:04
